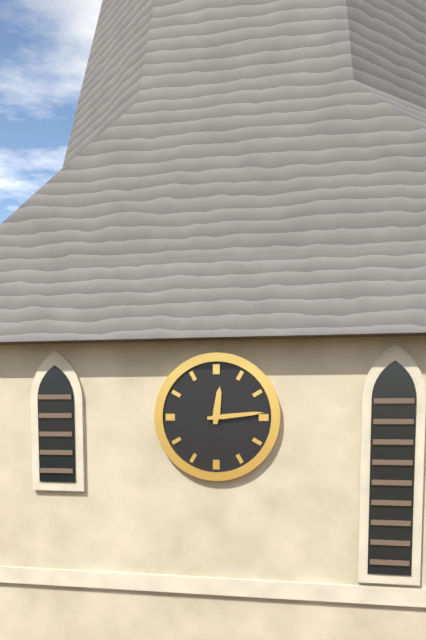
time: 12:14
